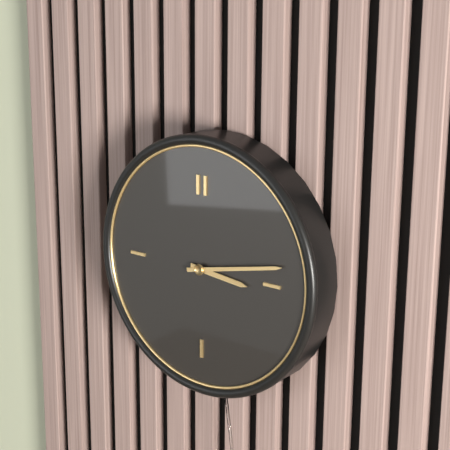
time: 3:13
